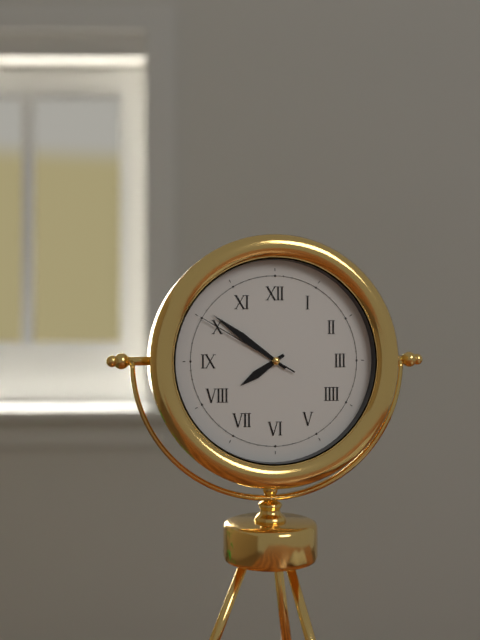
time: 7:51:50
